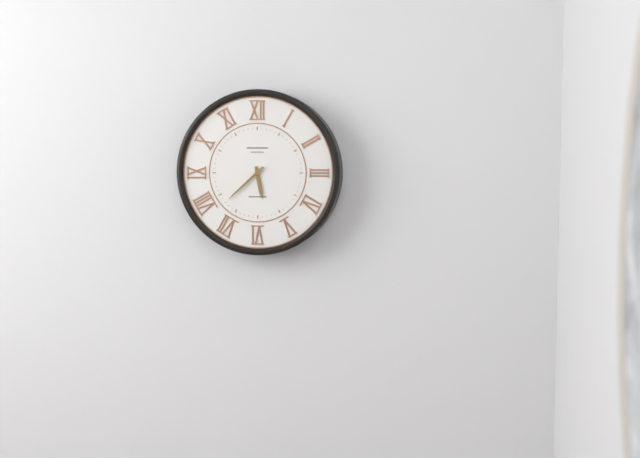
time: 5:38
